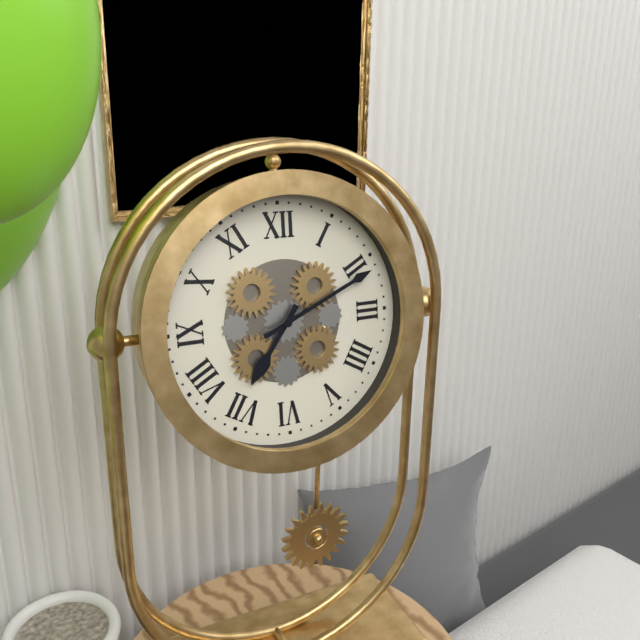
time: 7:11
